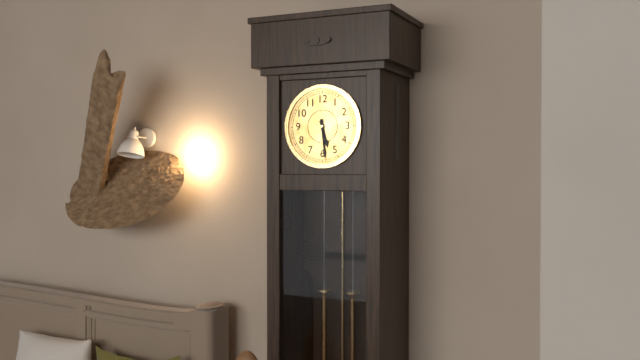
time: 5:29
